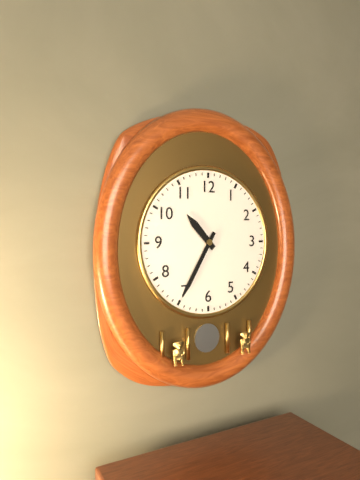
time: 10:35
